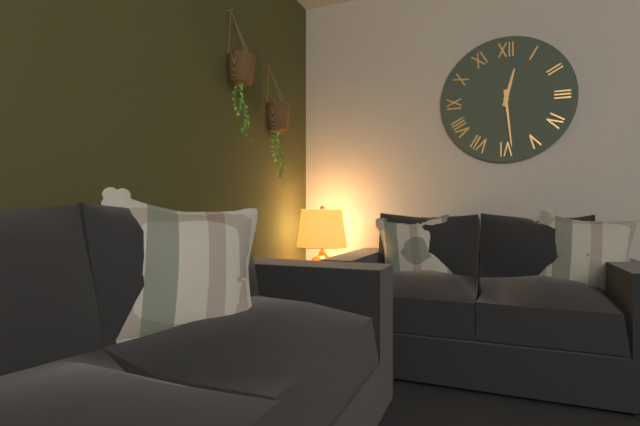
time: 12:29
